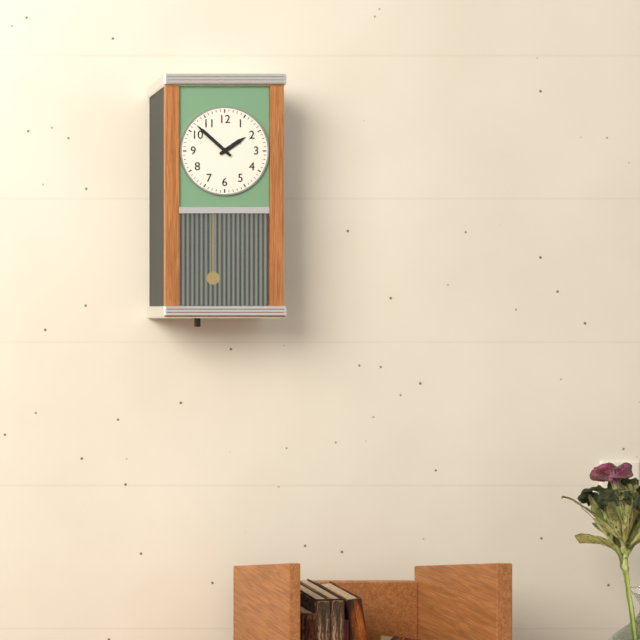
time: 1:52
